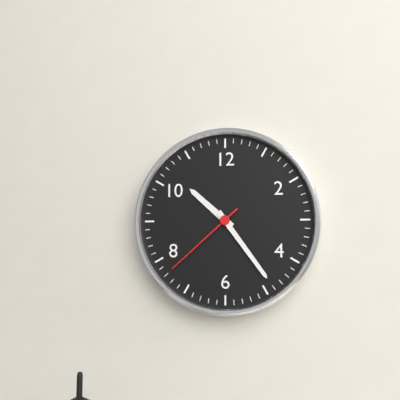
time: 10:24:38
